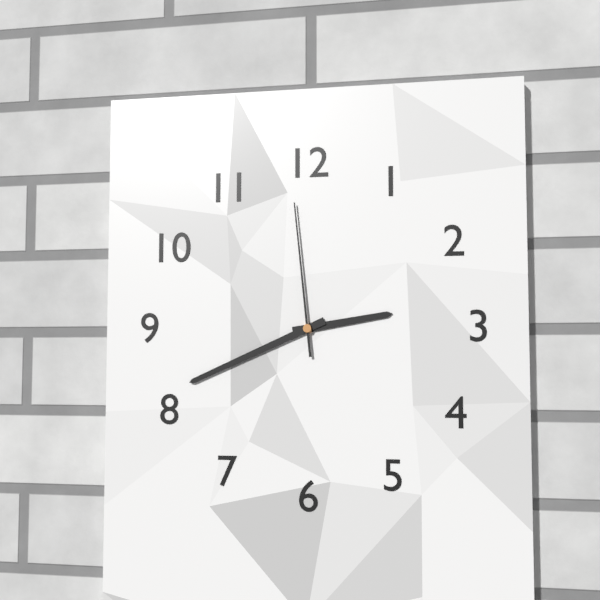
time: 2:41:59
